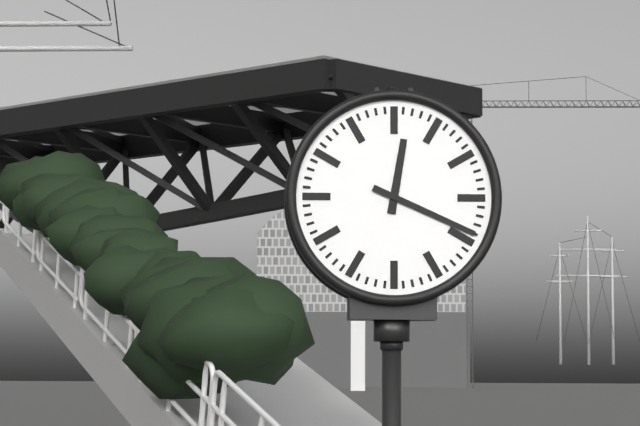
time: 12:19
